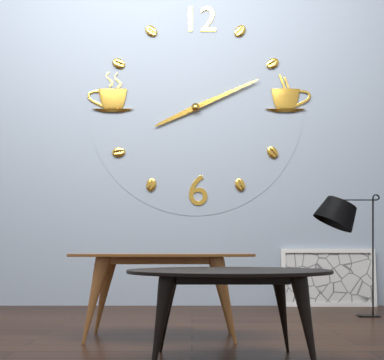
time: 8:11
